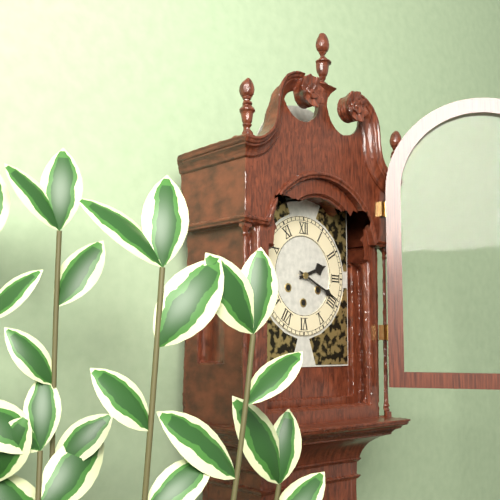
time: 2:19
